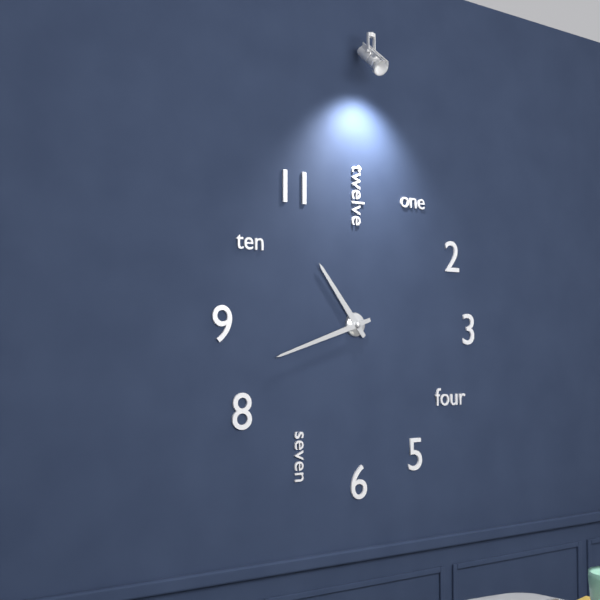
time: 10:42
